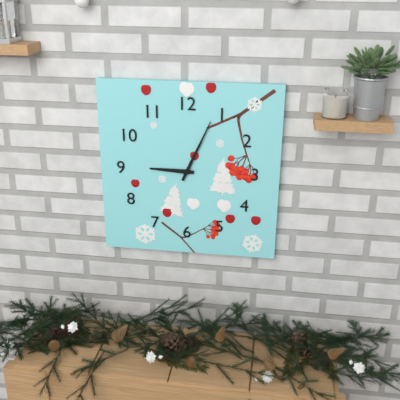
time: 9:04
